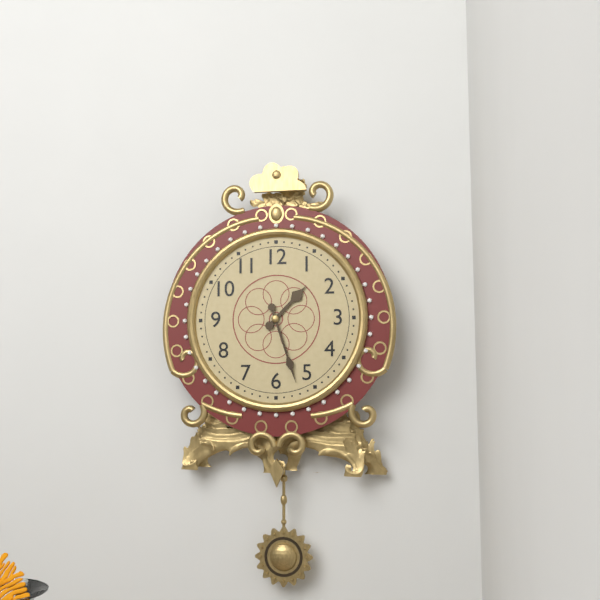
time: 1:27
